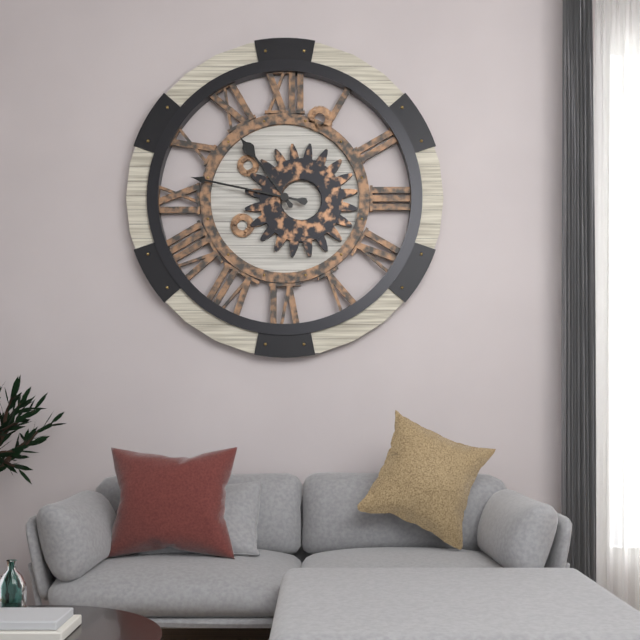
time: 10:47
